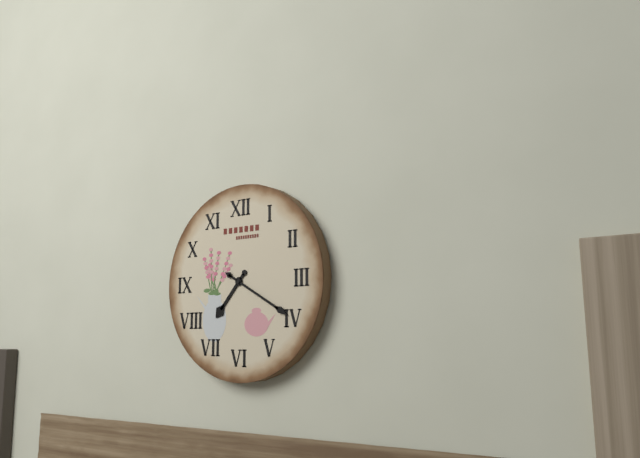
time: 7:20
